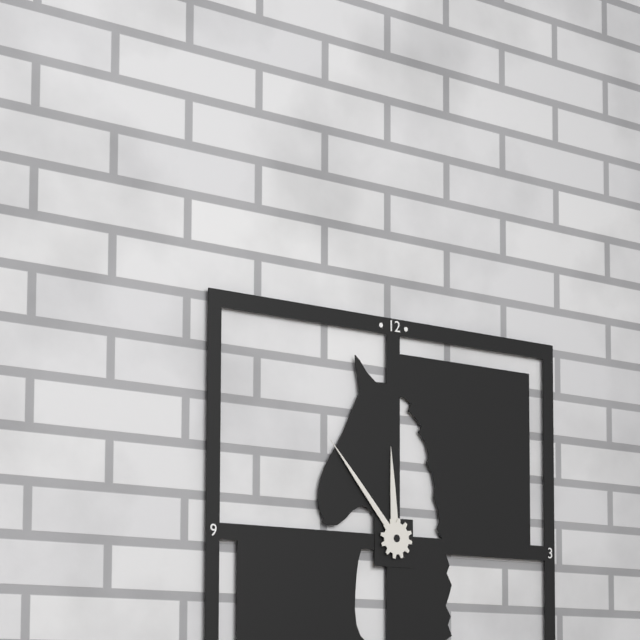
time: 11:53
